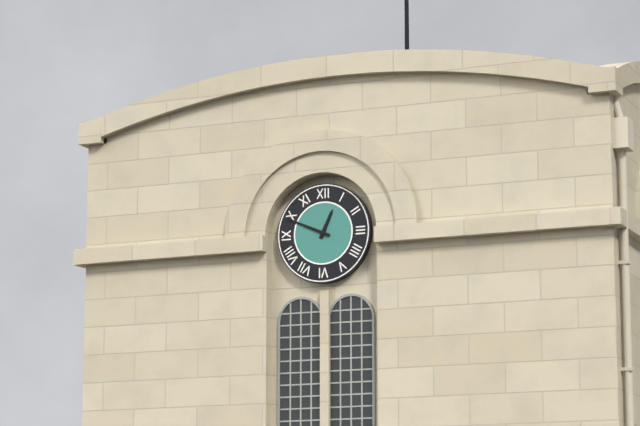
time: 12:49
